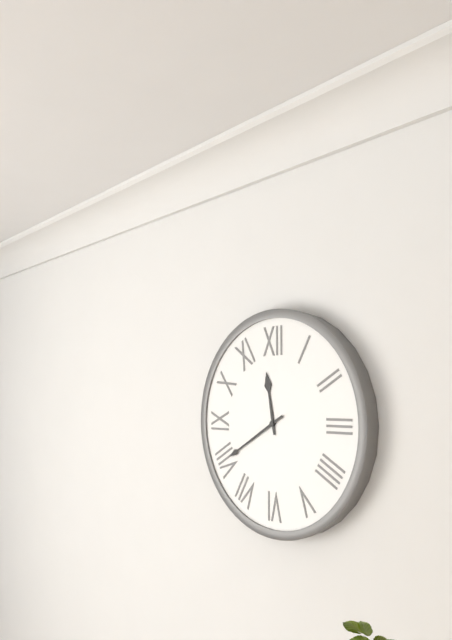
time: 11:40
